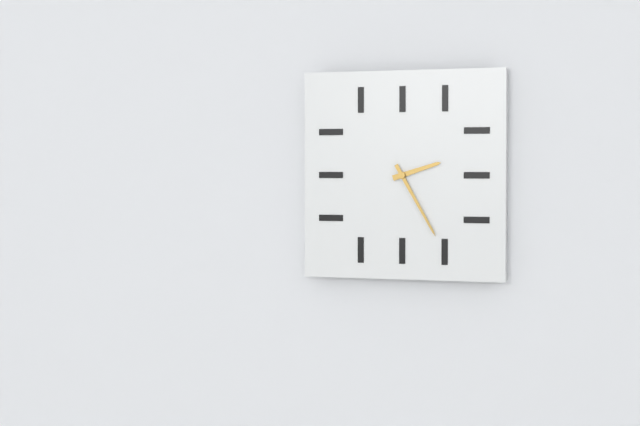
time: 2:25
